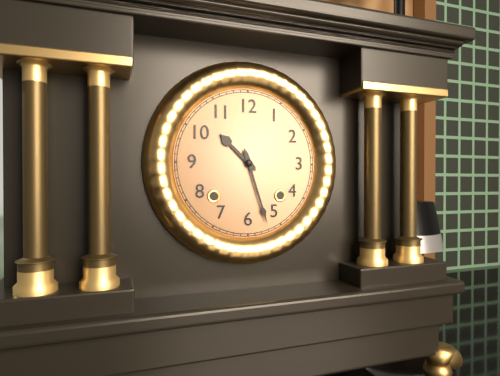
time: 10:27
